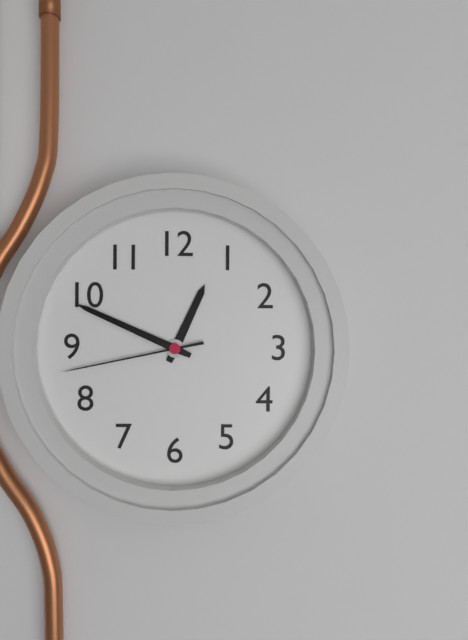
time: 12:49:43
